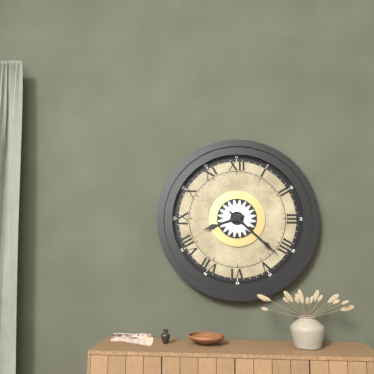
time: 8:22
